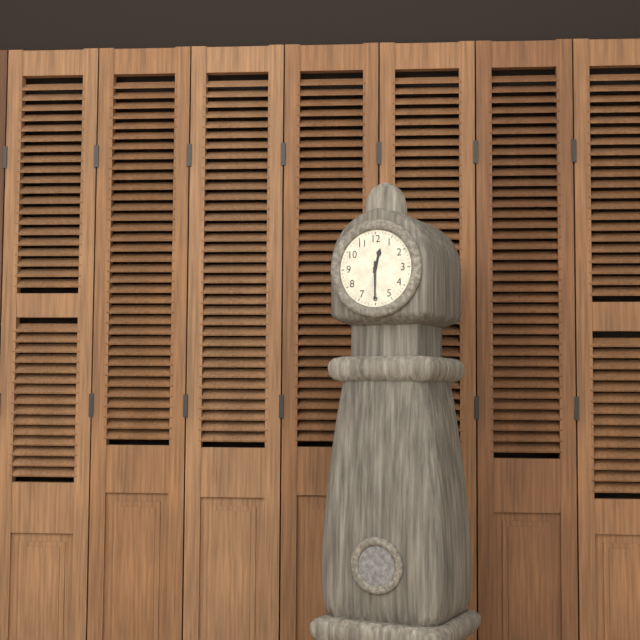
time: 12:30
